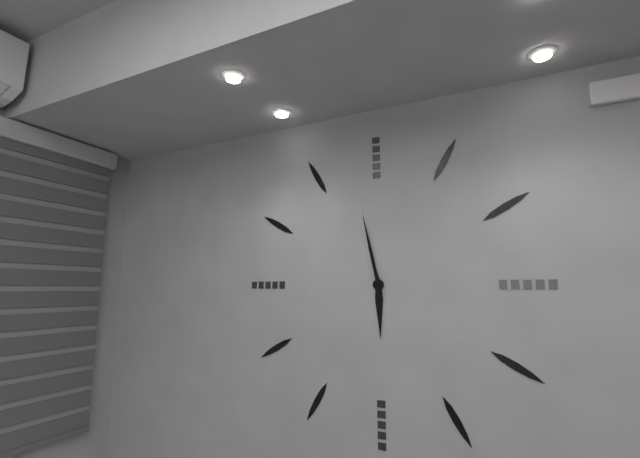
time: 5:58
